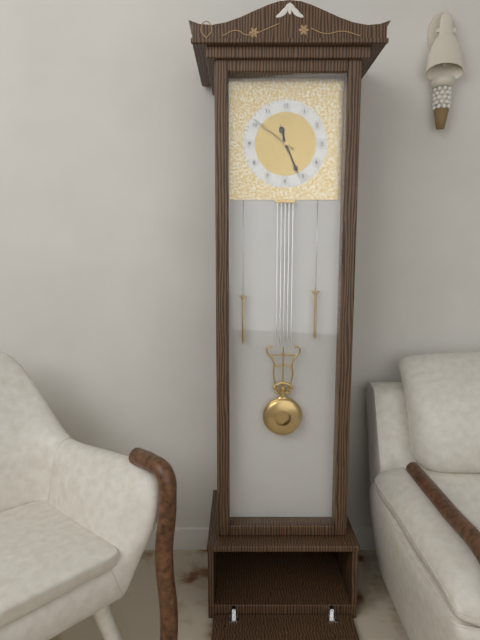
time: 11:26:51
